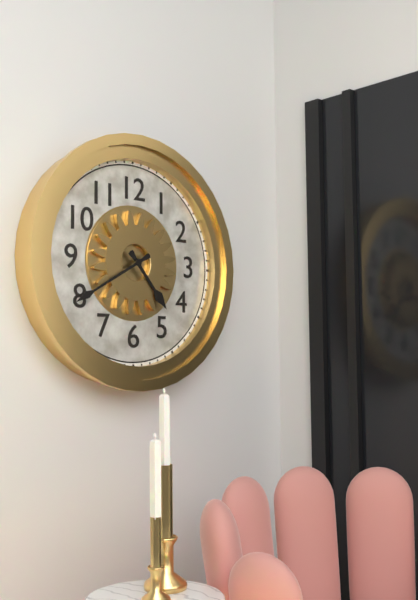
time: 4:40
